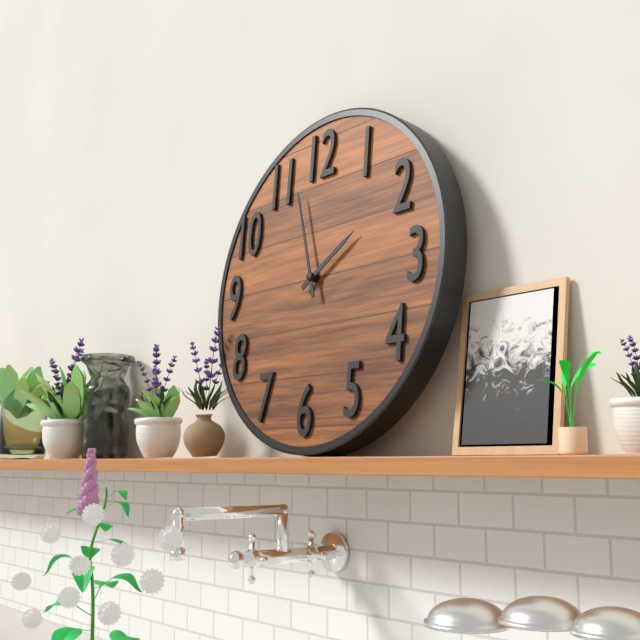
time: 1:57
